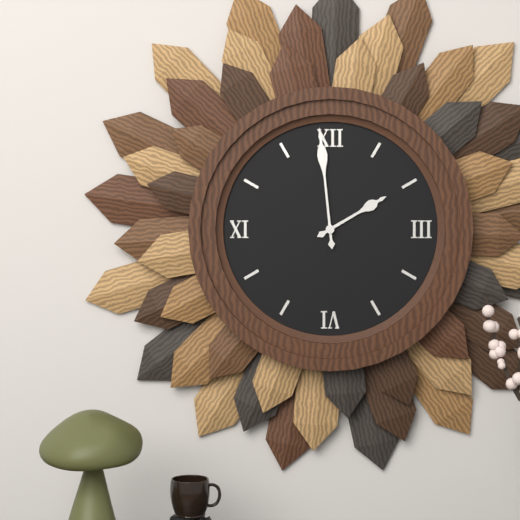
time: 1:59
